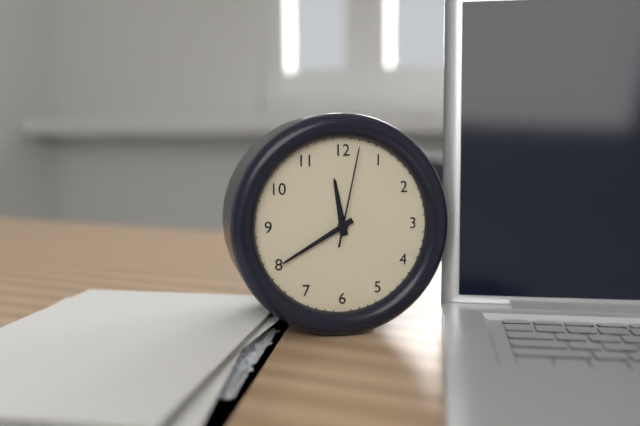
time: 11:40:02
